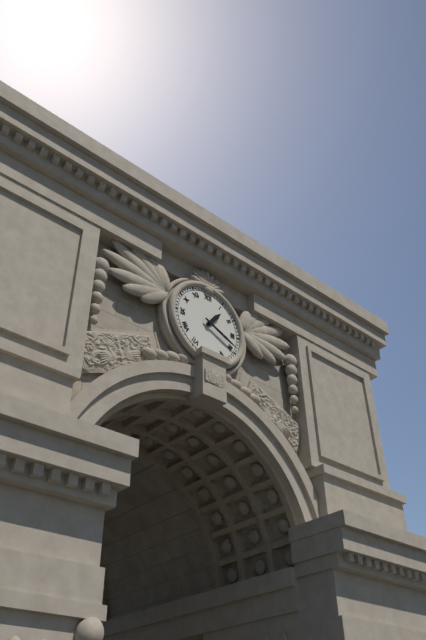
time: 1:19
